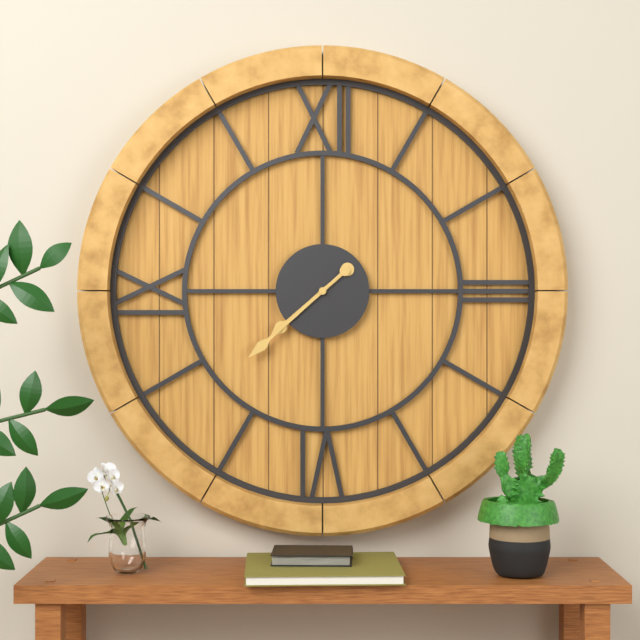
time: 7:38
